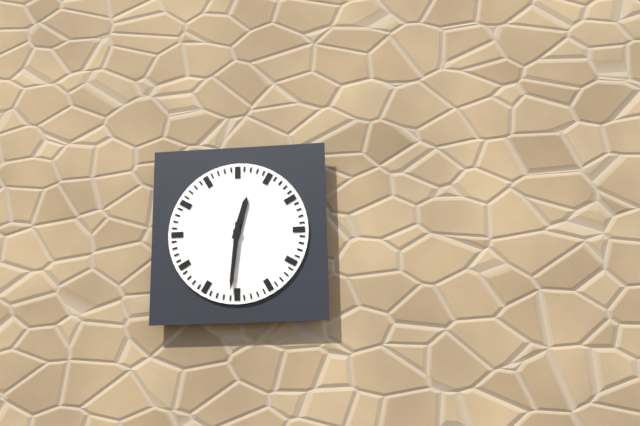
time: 12:31
